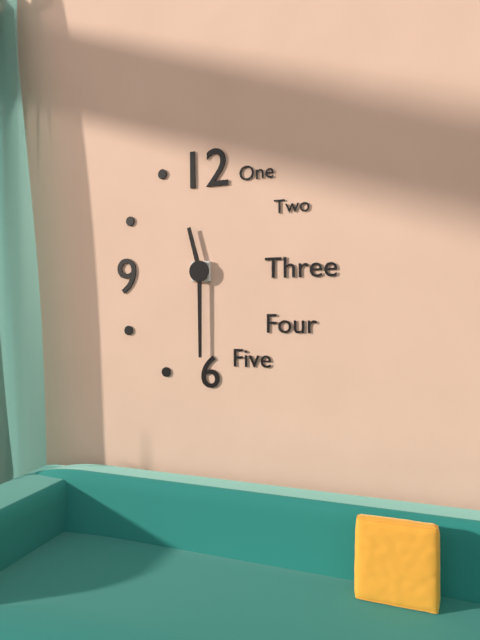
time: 11:30
